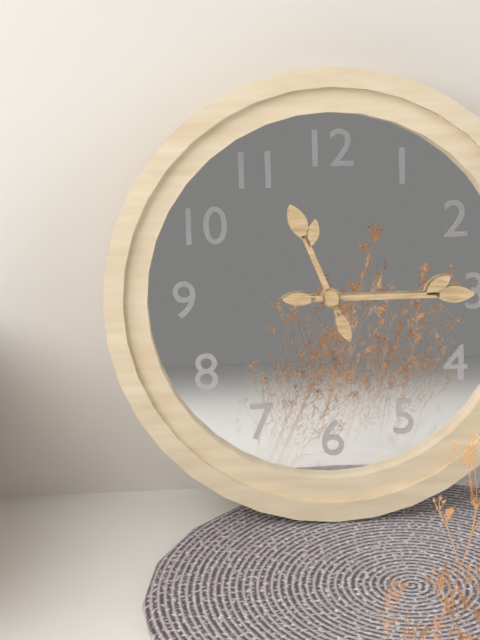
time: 11:15
